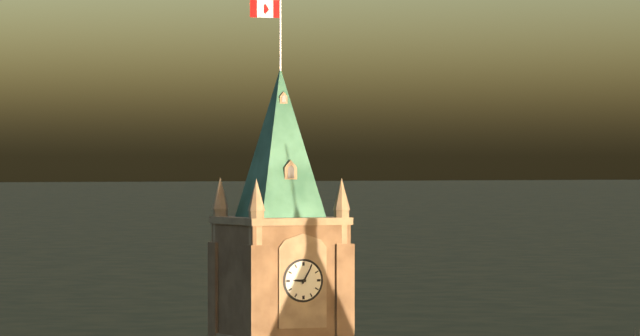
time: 9:05
